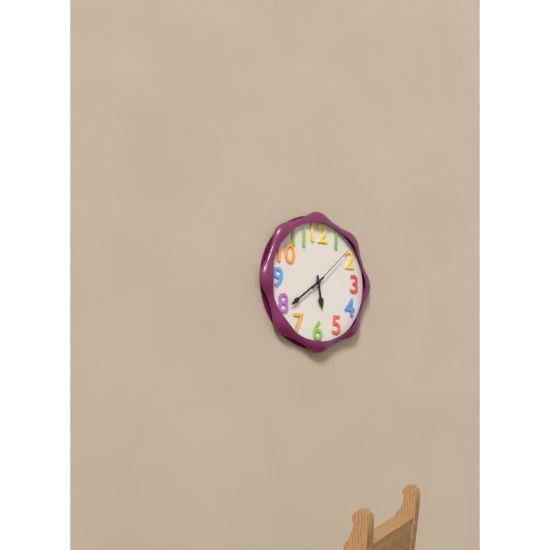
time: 5:39:08
